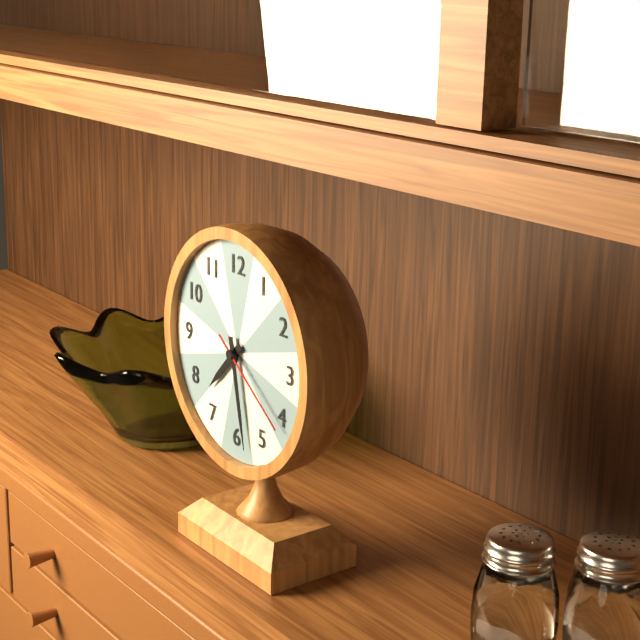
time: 7:28:21
